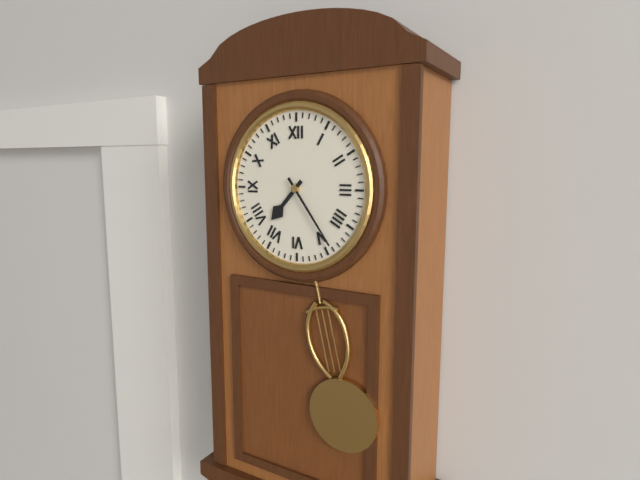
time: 7:24
